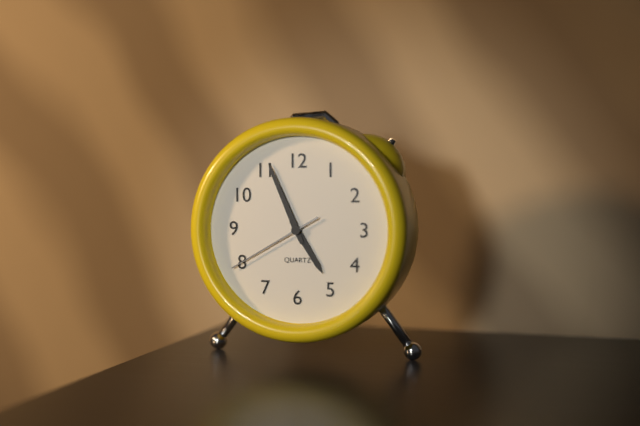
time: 4:56:40
